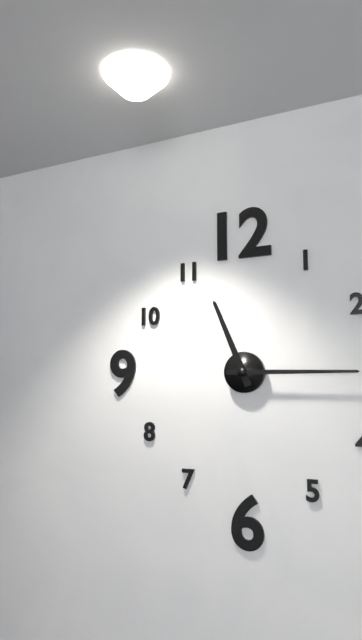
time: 11:15
